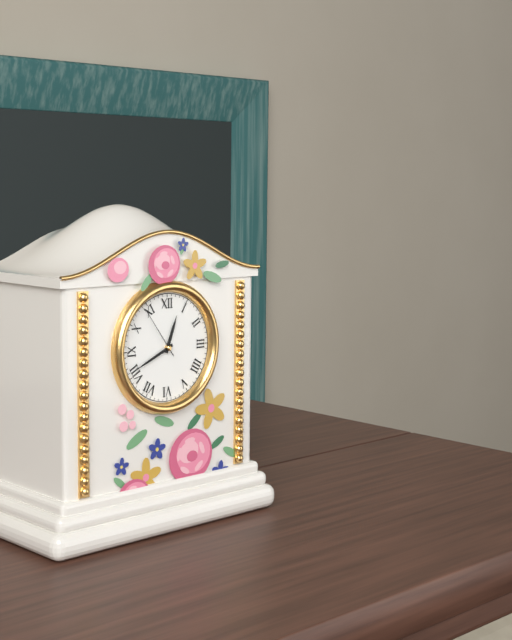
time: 12:41:54
